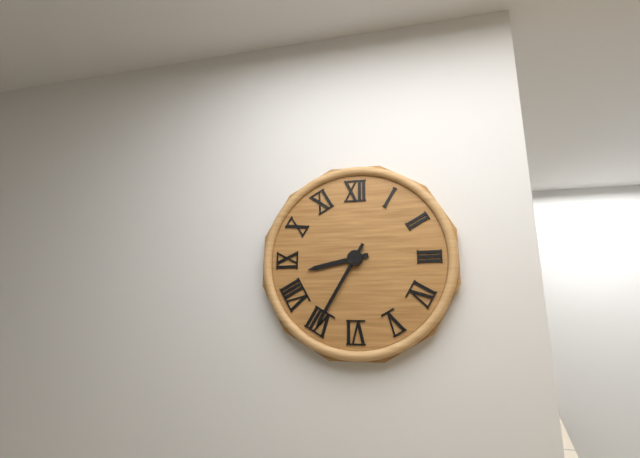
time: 8:35
